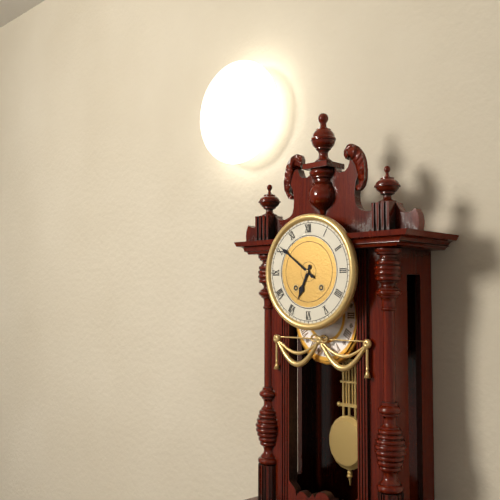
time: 6:51
